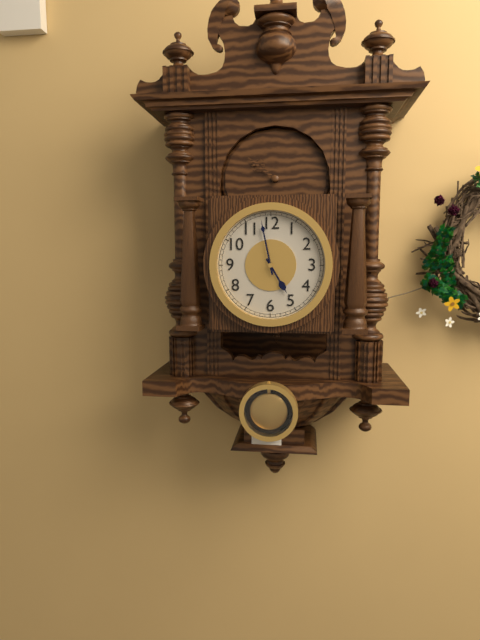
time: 4:58
